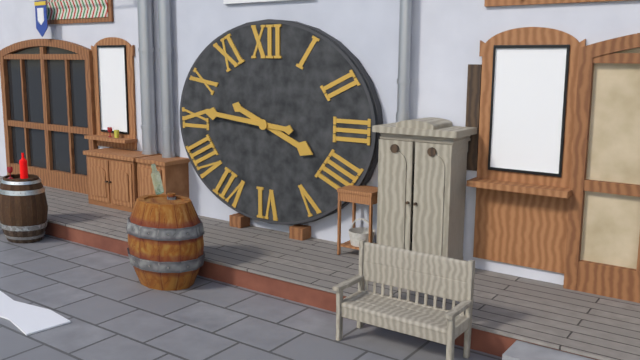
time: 3:46
